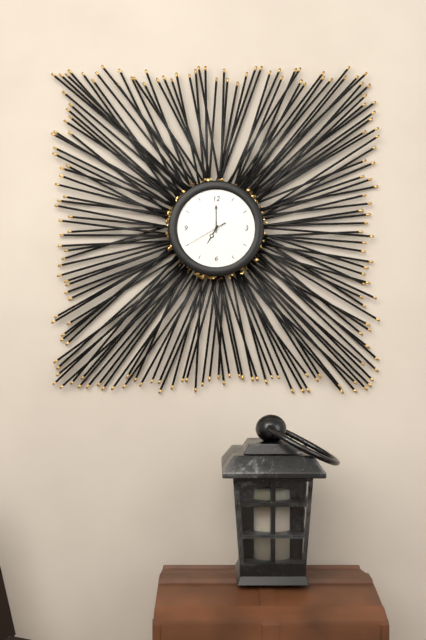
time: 7:00
